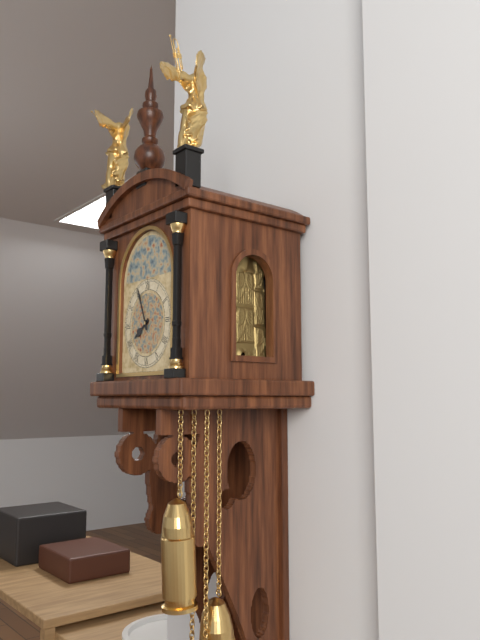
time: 7:56
